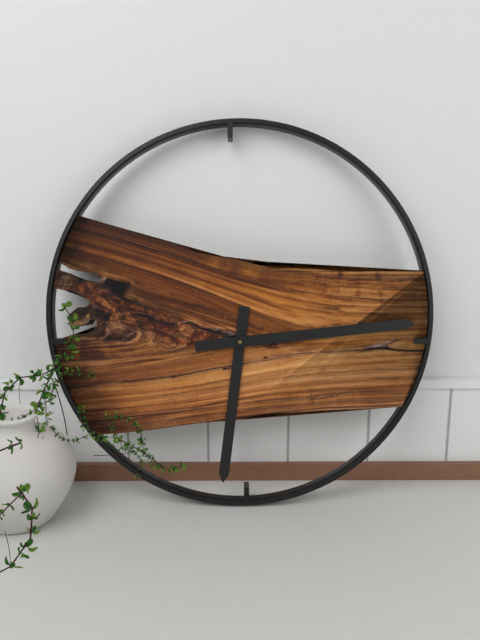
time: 6:14
